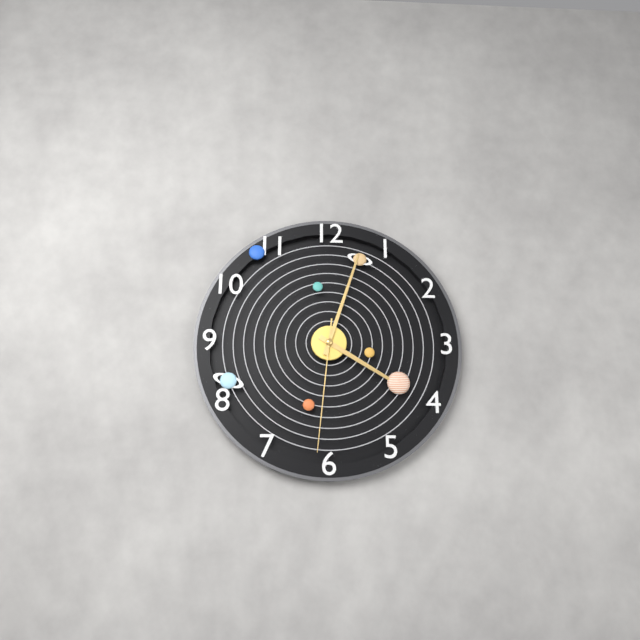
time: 4:03:31
